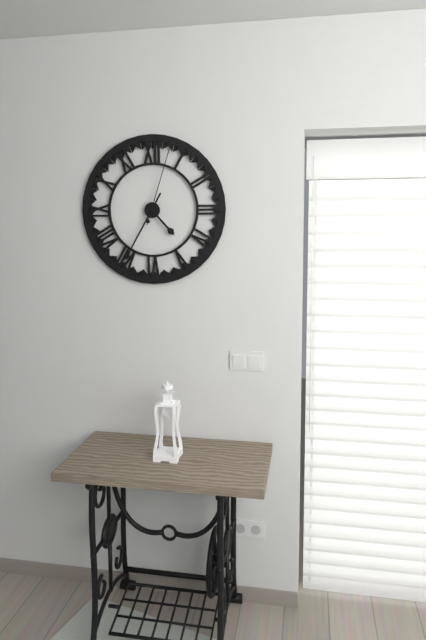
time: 4:35:03
